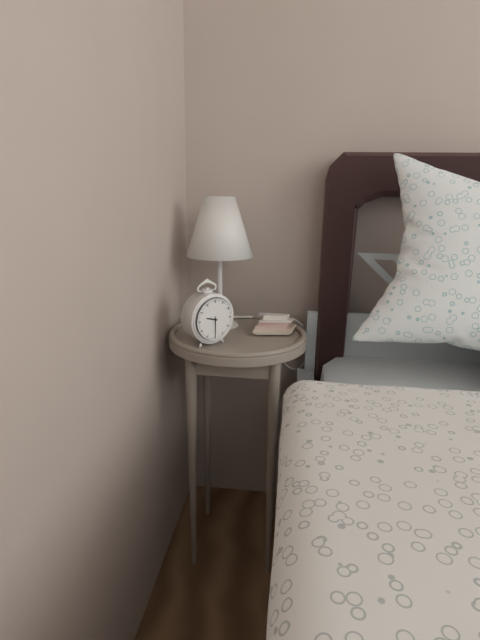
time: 9:30
